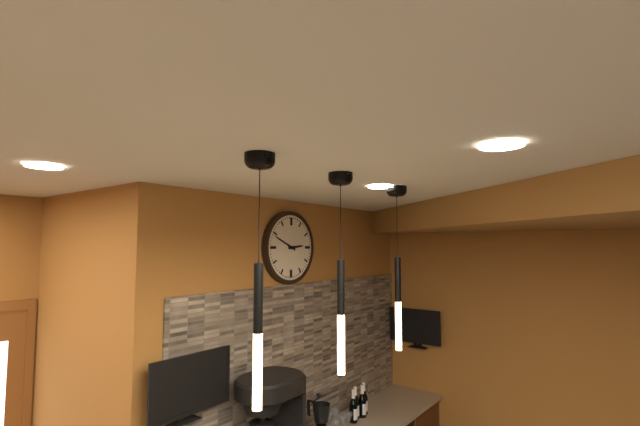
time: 2:49
